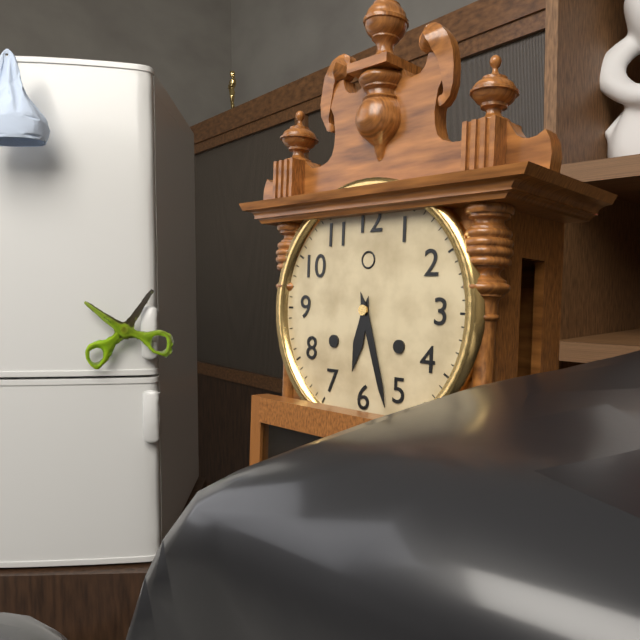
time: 6:27
